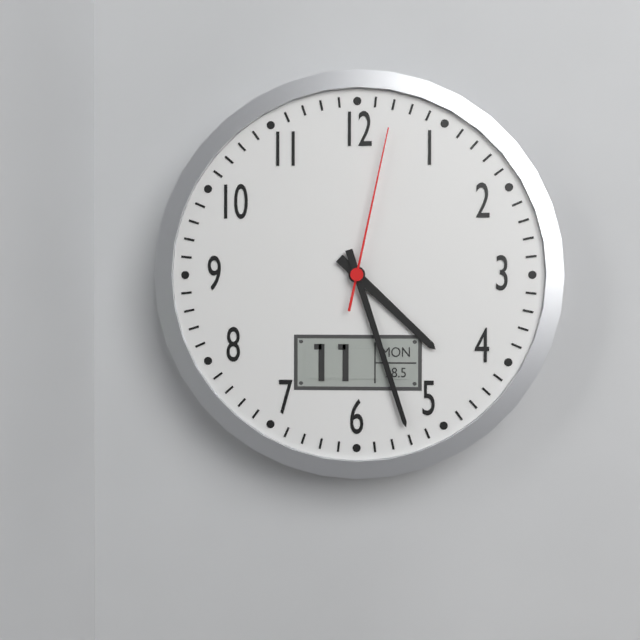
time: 4:27:02
